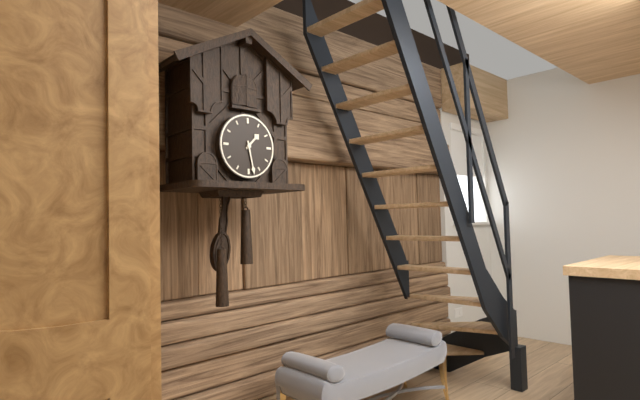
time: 1:28
